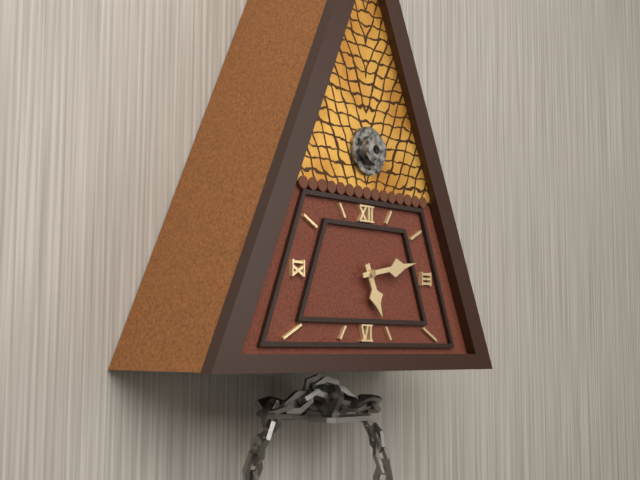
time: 5:13
